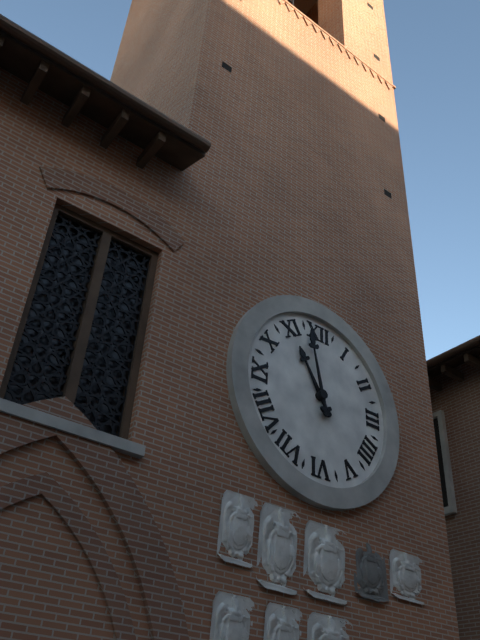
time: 10:58
